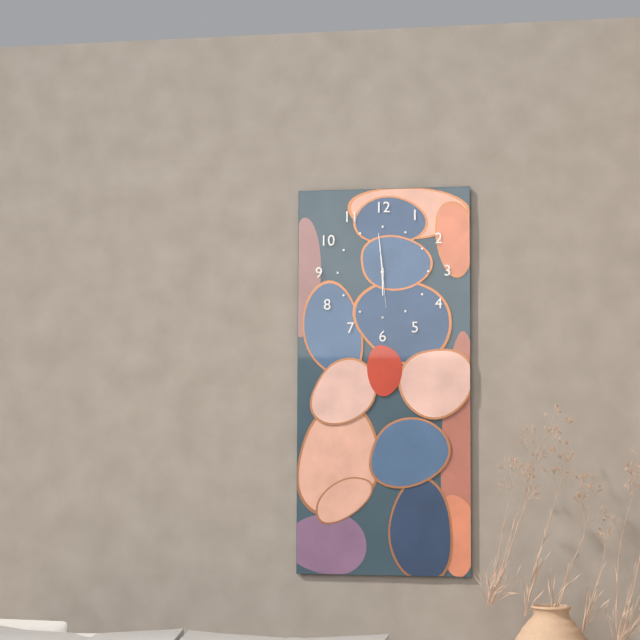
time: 5:59
